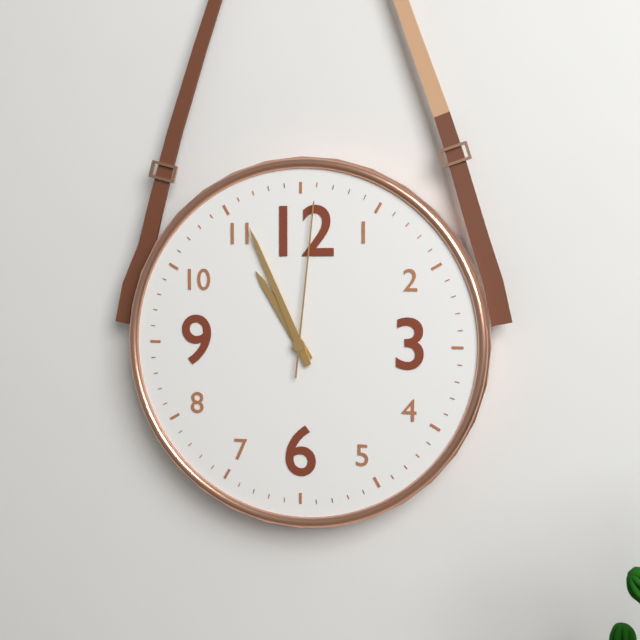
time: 10:56:01
